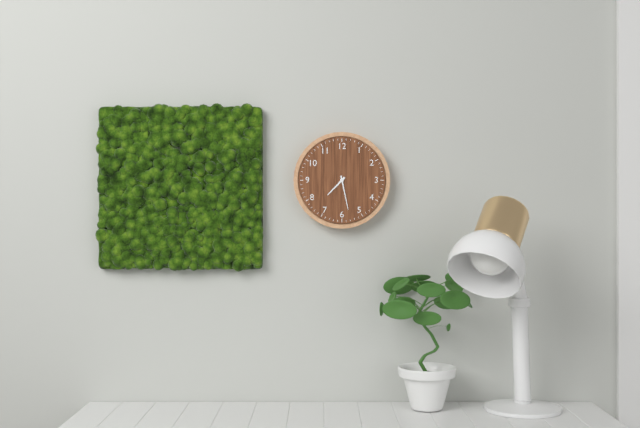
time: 7:28
